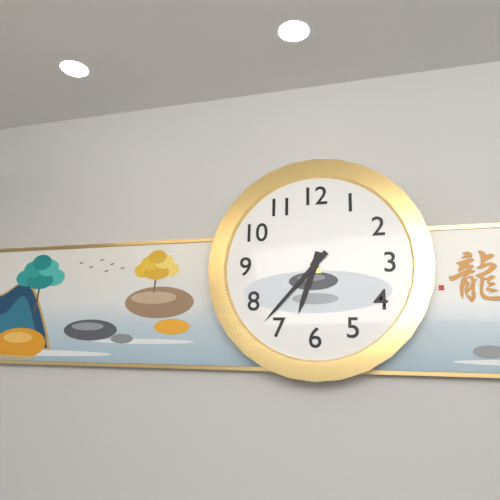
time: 6:37
